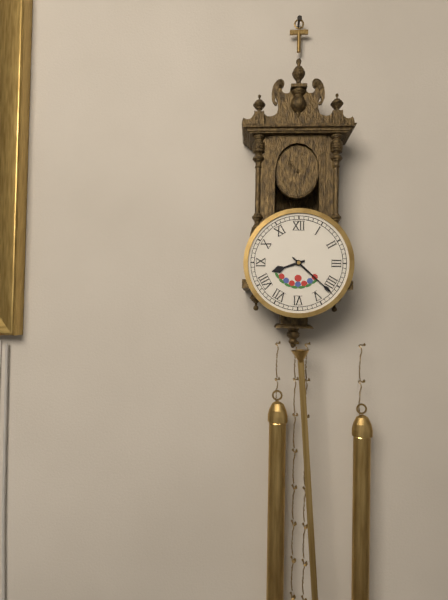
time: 8:22
